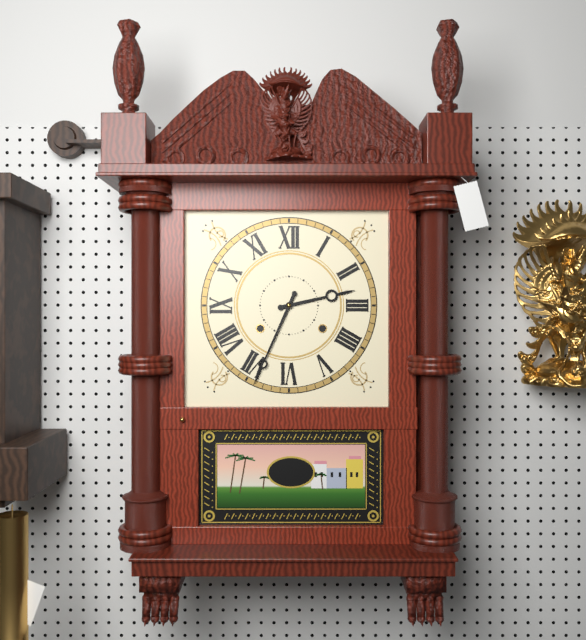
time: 2:34
